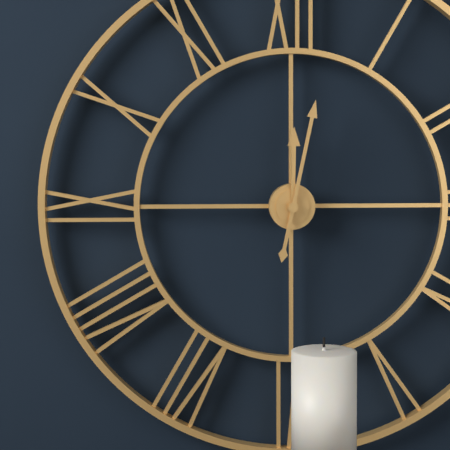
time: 12:02
